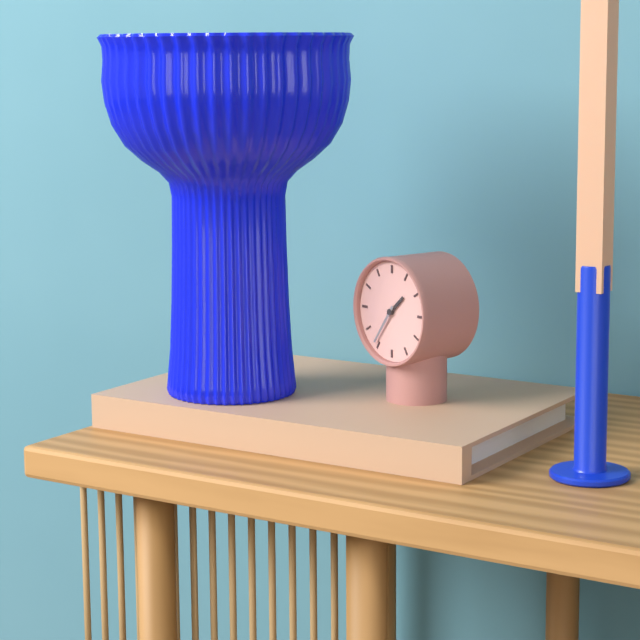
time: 1:36
